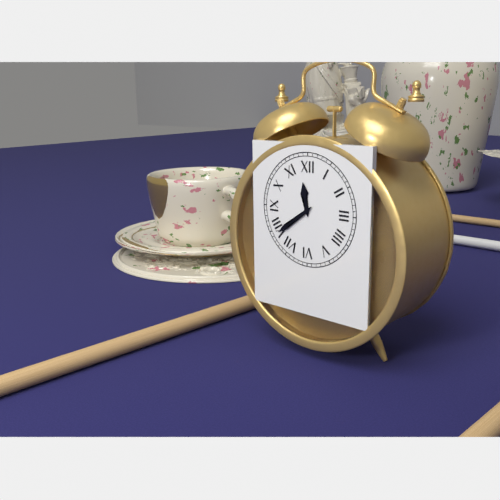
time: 11:39
